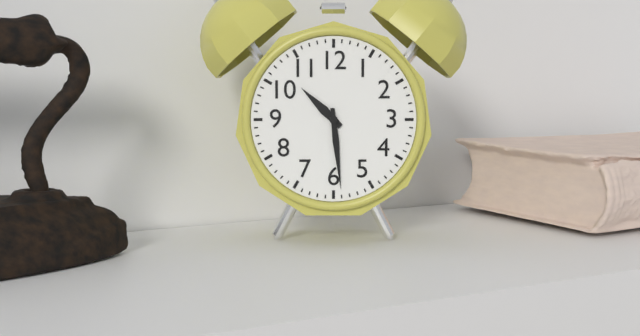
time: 10:29
